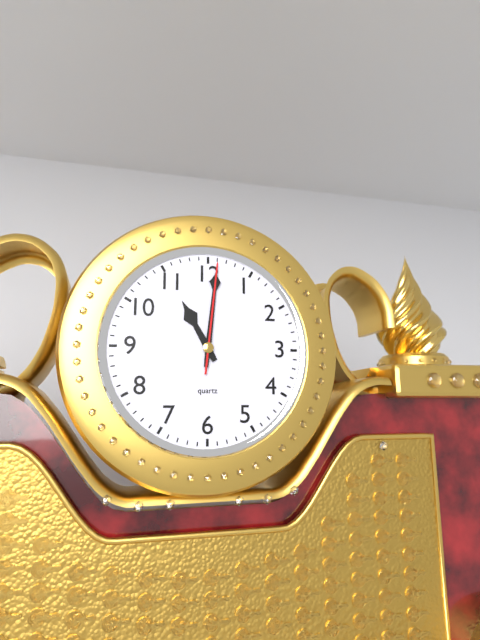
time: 11:01:01
